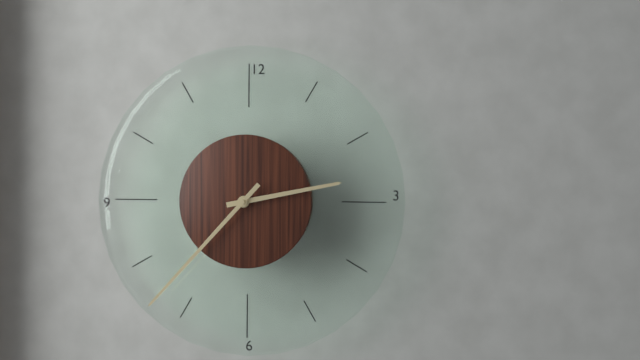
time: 2:37
